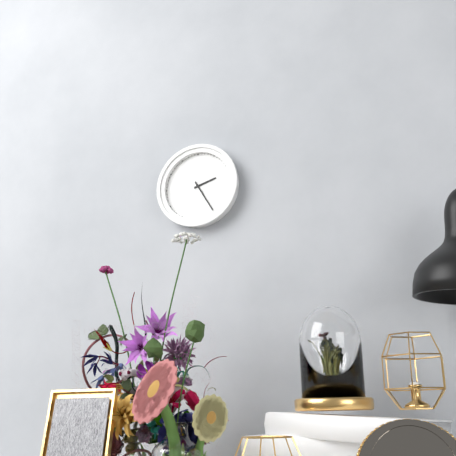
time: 2:25
